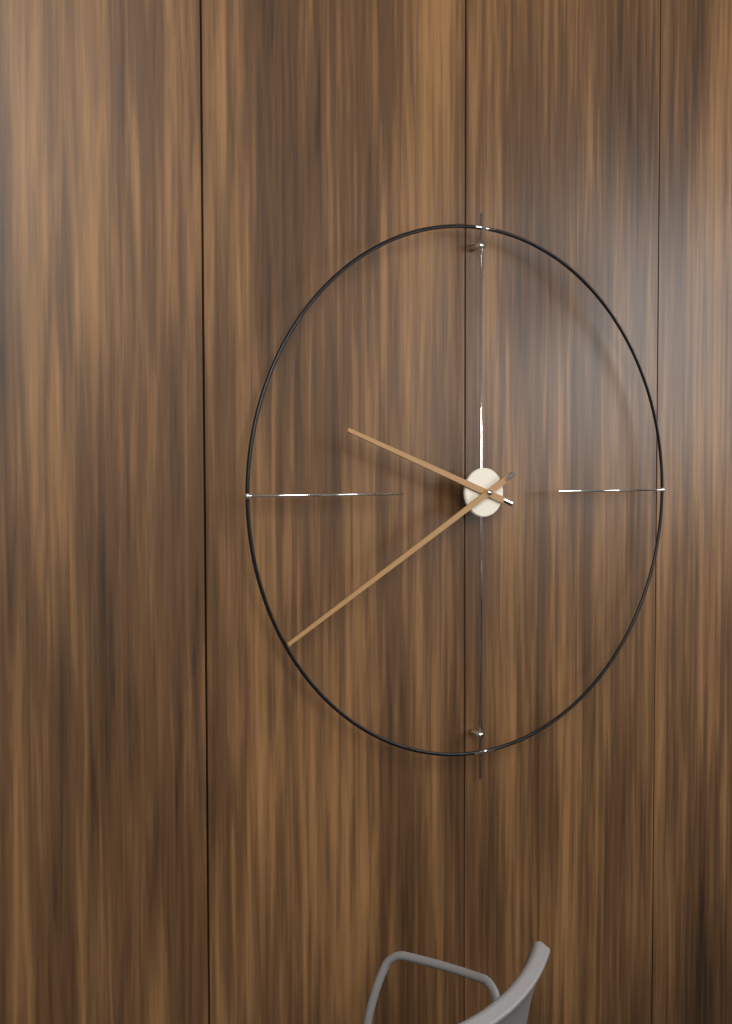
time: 9:40
